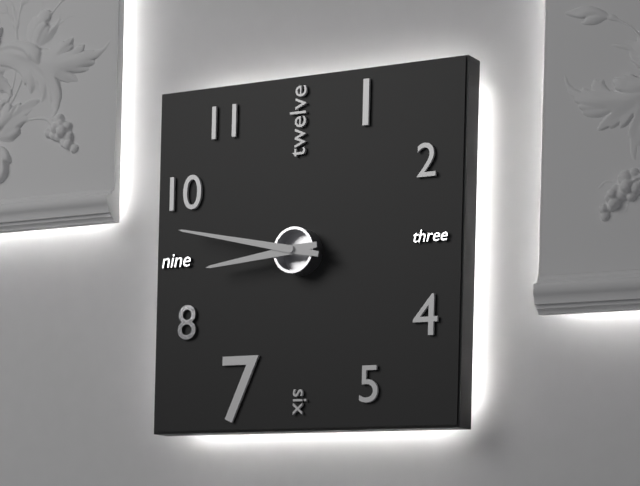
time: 8:47
